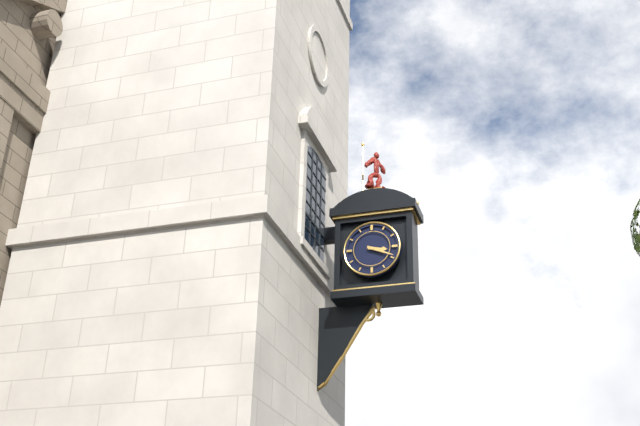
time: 3:19
